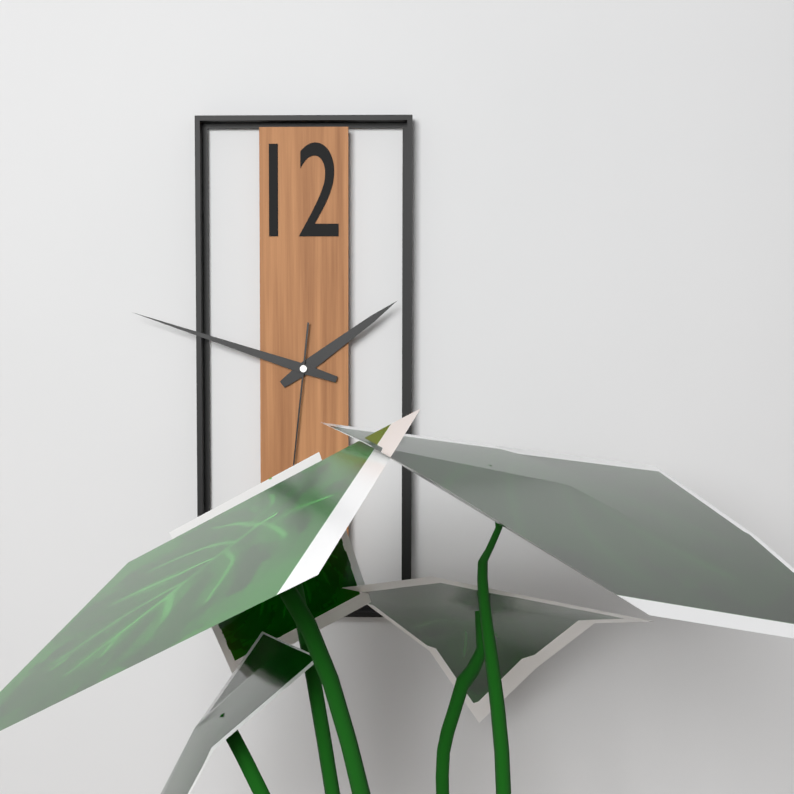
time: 1:48:31
